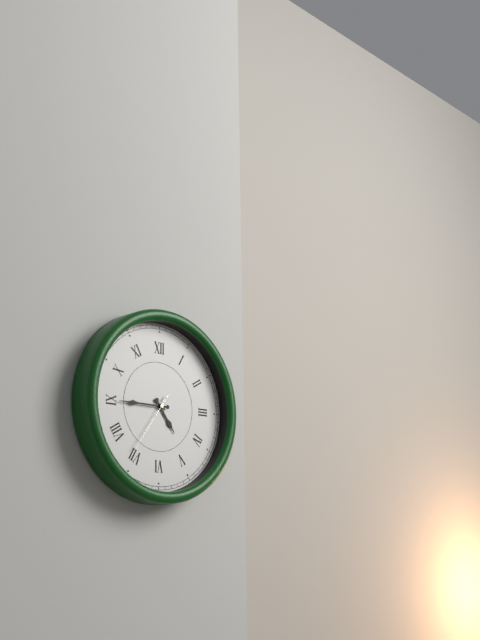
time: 4:45:36
